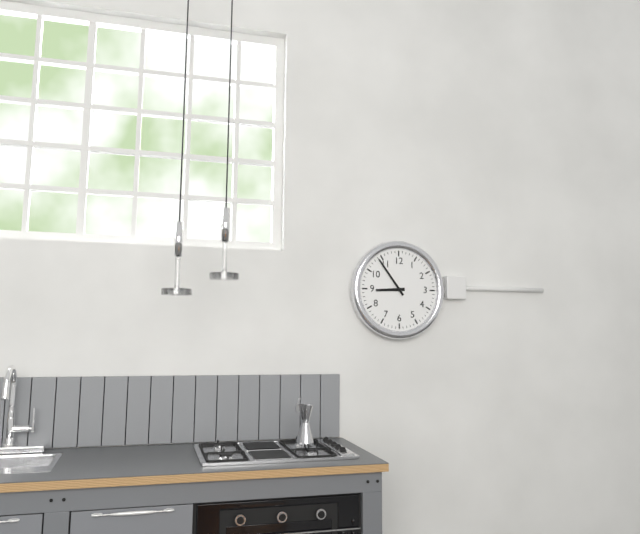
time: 8:54
